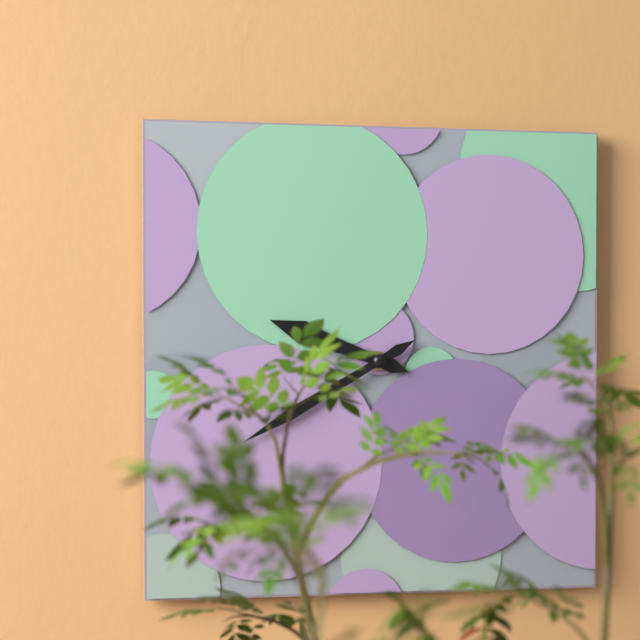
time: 9:40
